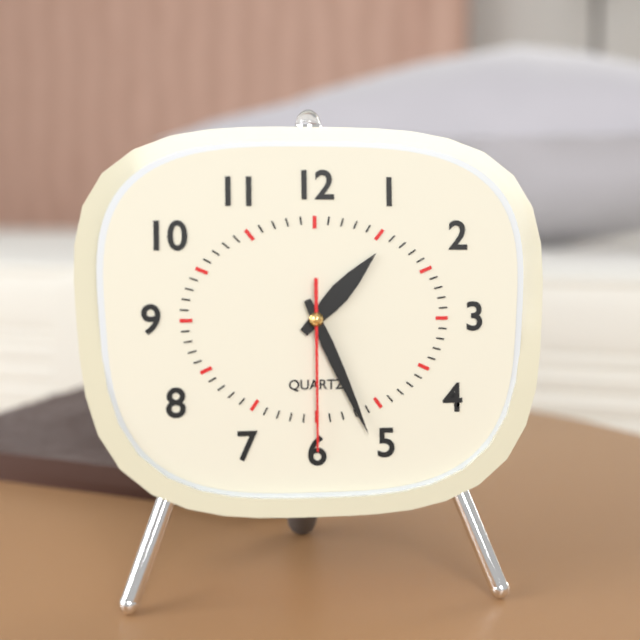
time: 1:26:30
